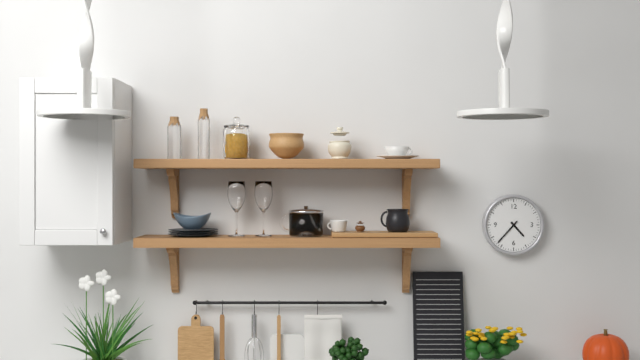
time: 4:37
